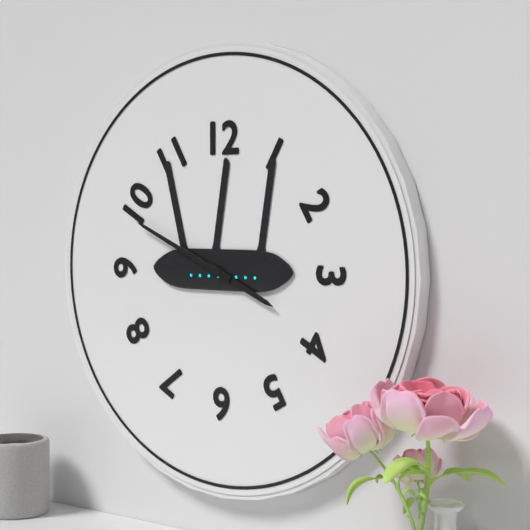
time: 3:49
